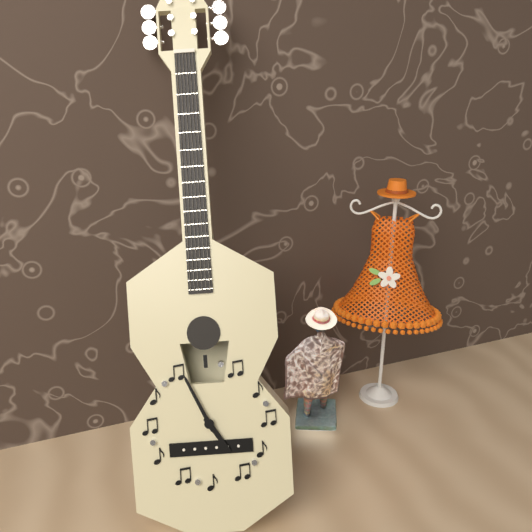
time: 4:56
